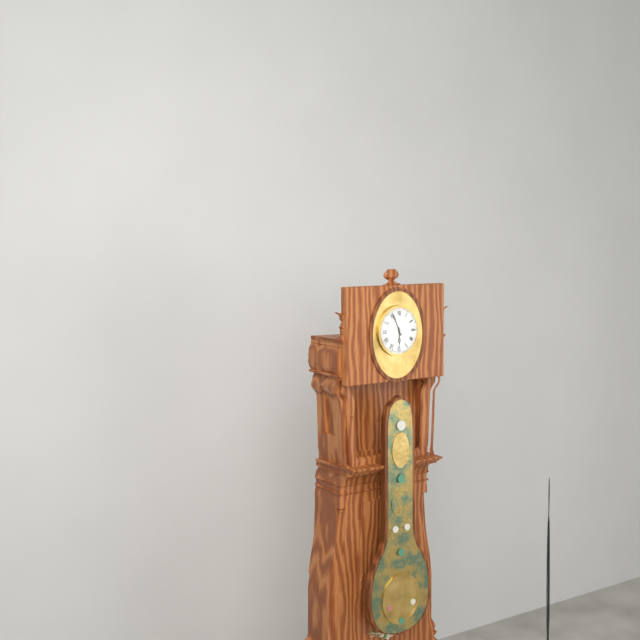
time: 5:56
